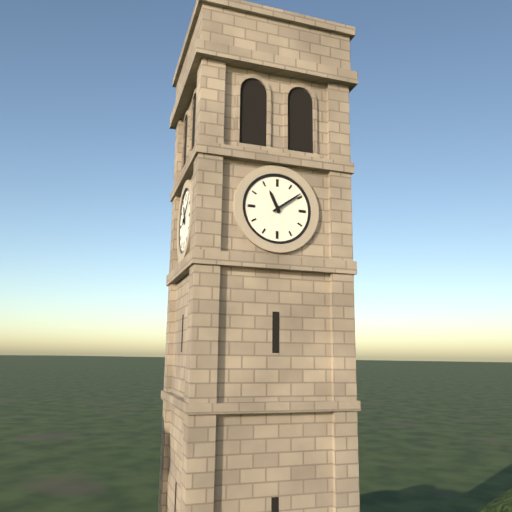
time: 11:09
